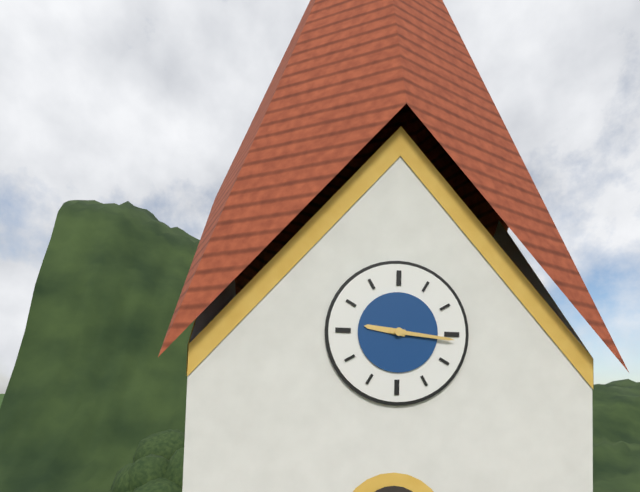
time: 9:16
